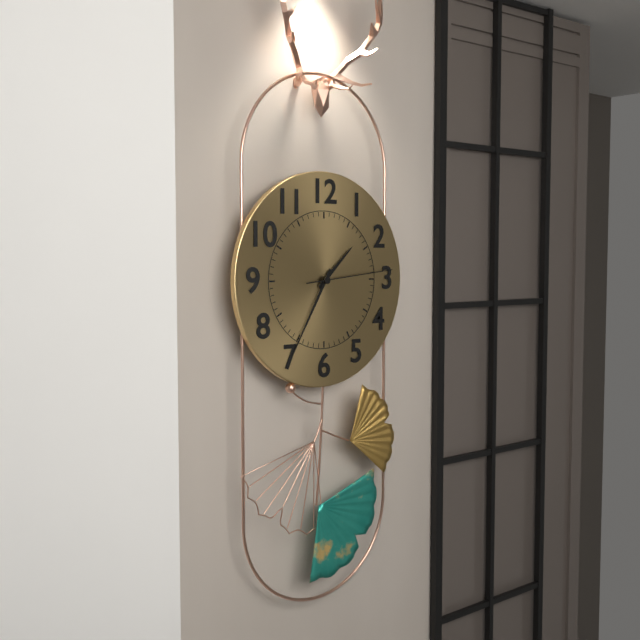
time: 1:35:14
